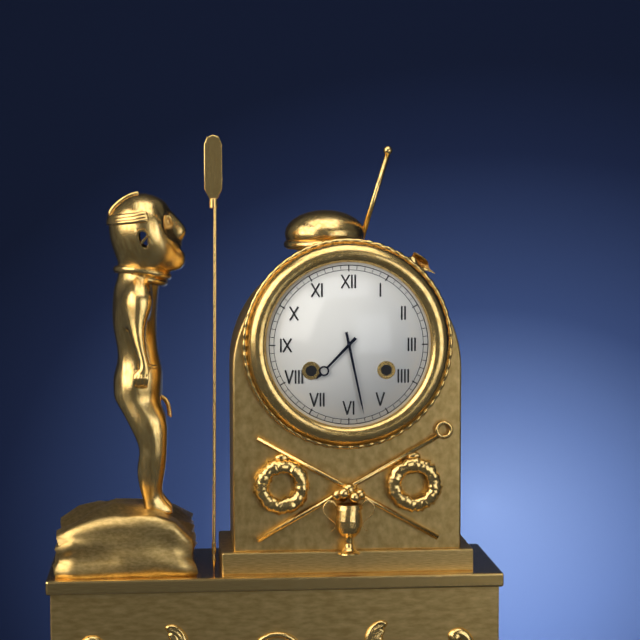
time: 7:28
